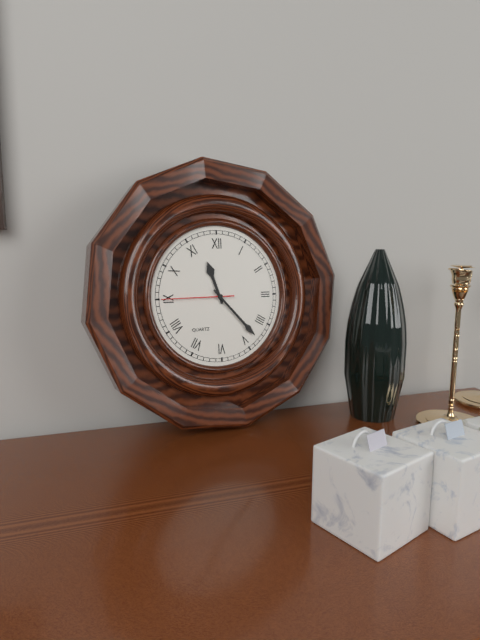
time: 11:23:45
